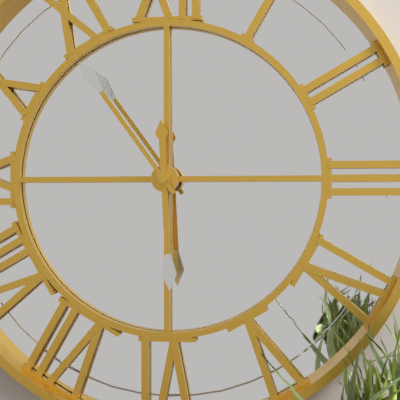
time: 5:54
